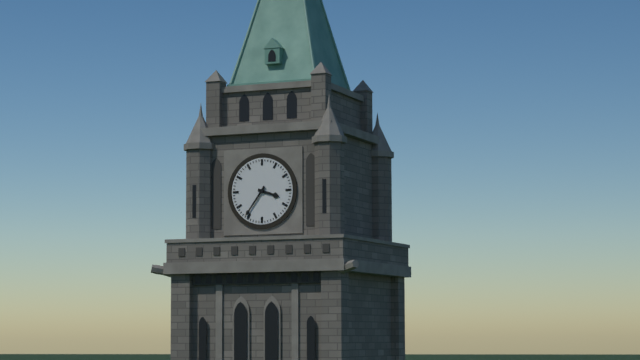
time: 3:36
